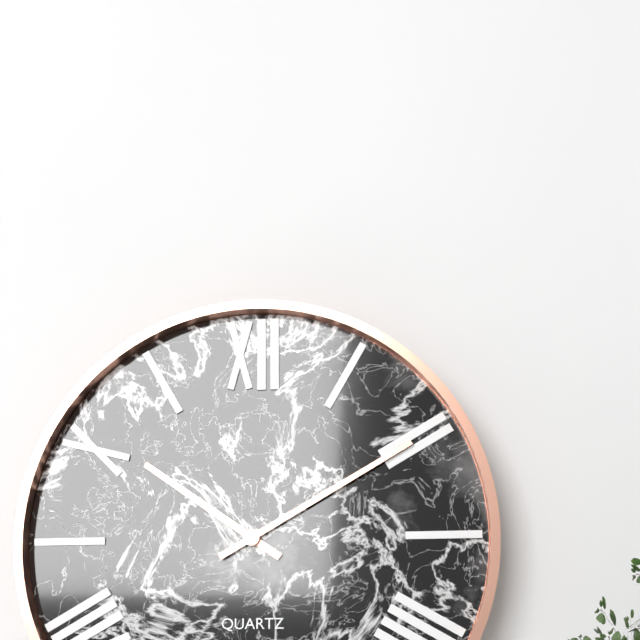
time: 10:10
